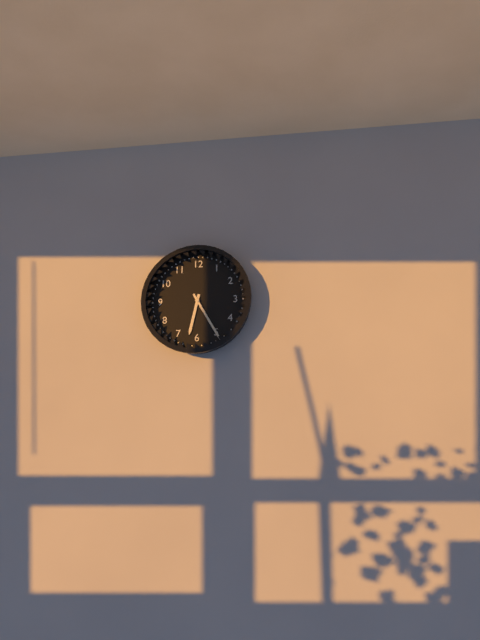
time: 6:25
